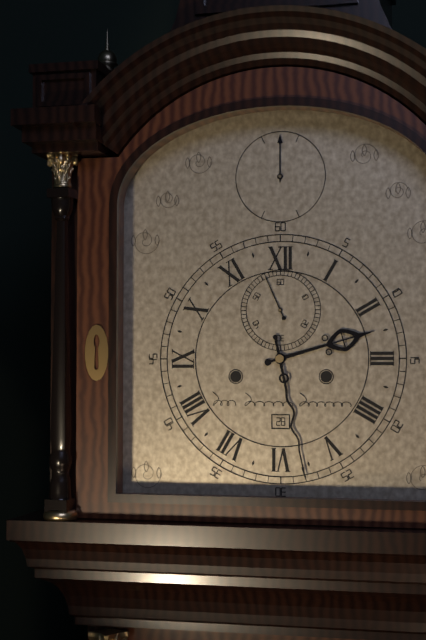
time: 2:28
